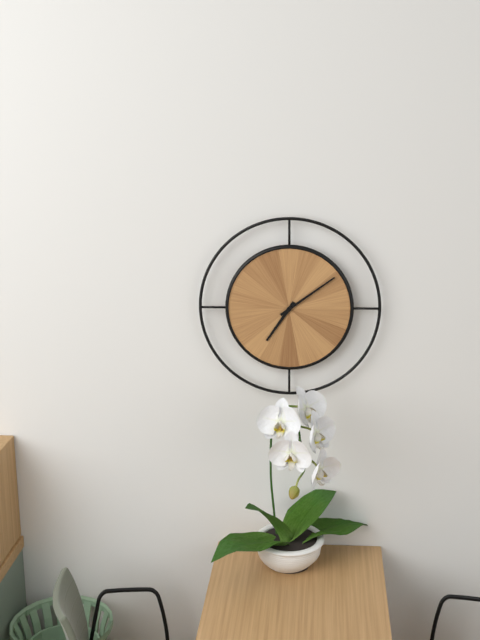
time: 7:09
